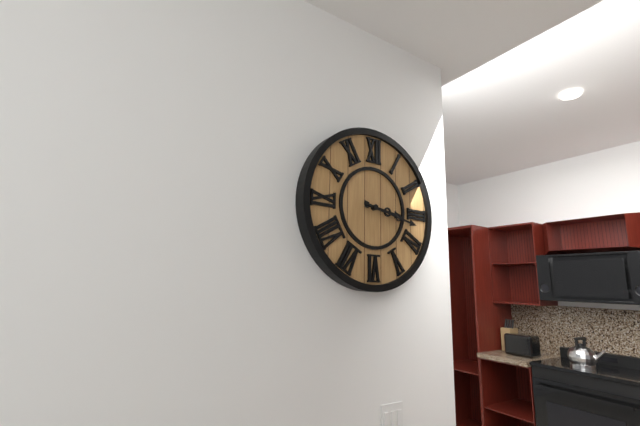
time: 3:17
